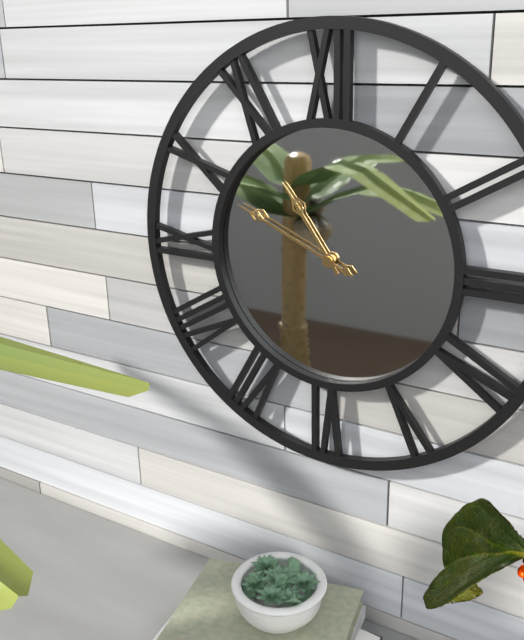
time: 10:49
